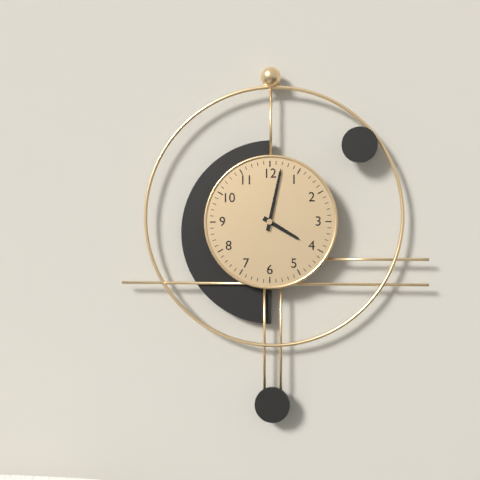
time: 4:02
